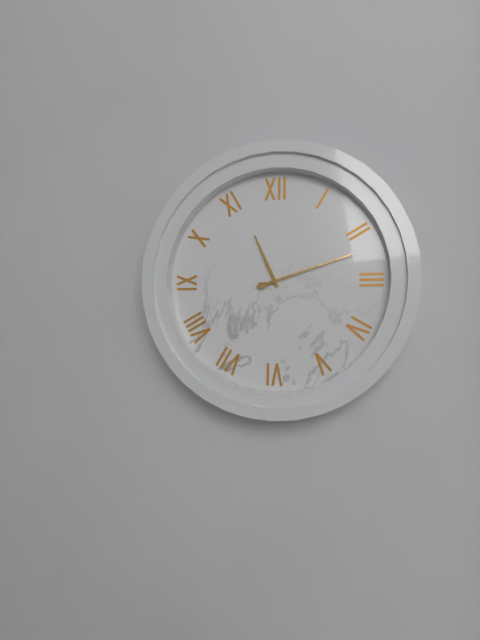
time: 11:12
